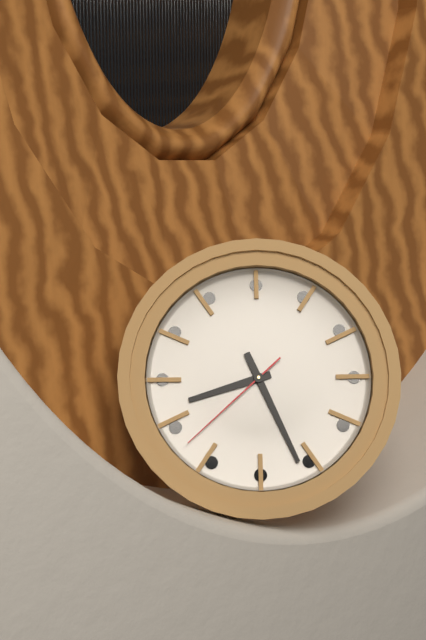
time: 8:26:38
